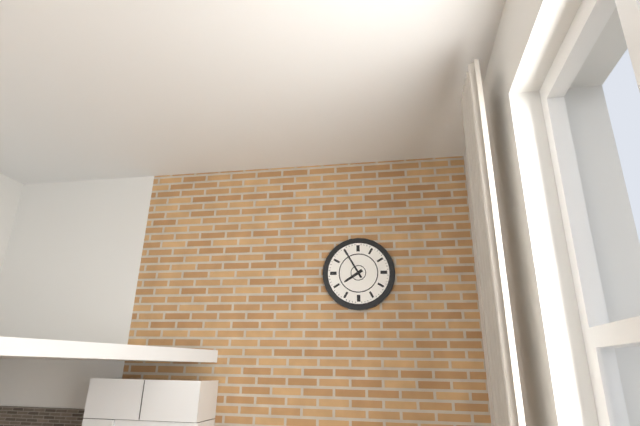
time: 7:55
